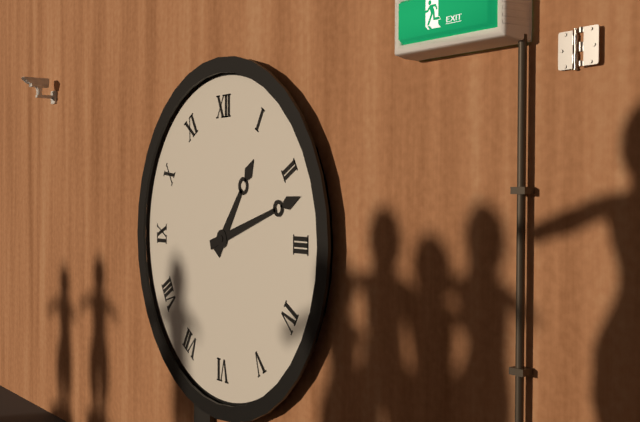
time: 1:12
